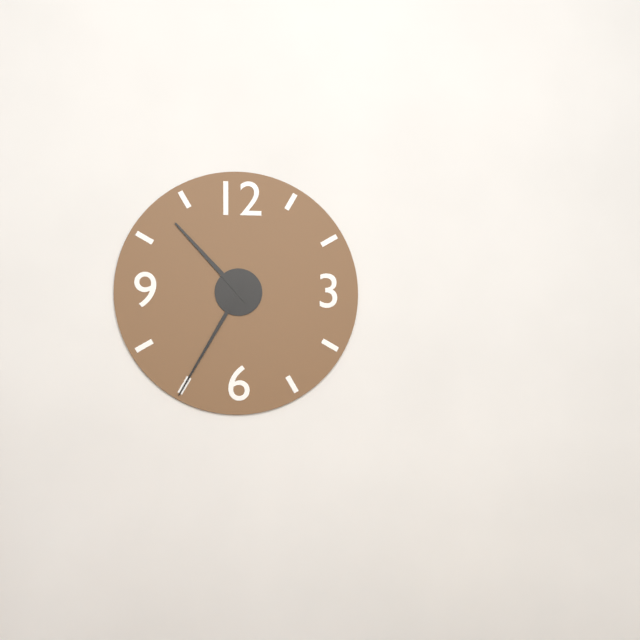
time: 10:35
